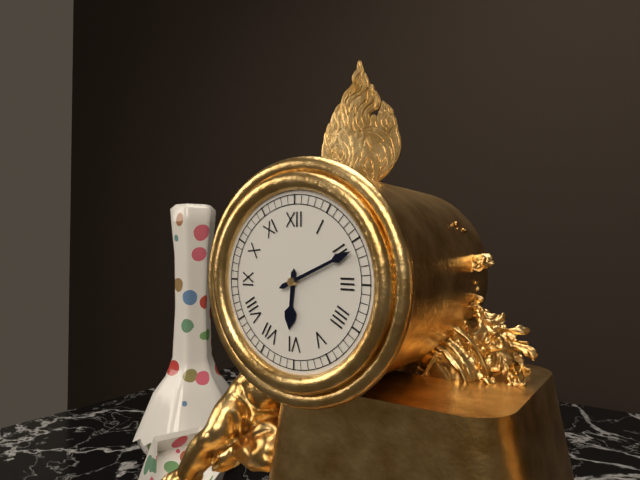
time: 6:11
